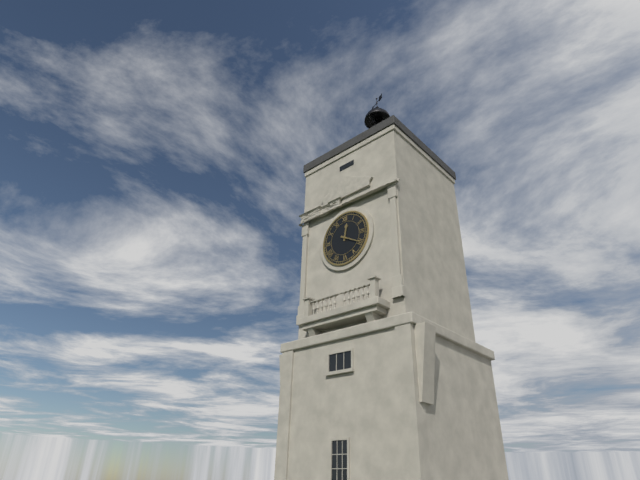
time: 12:20
